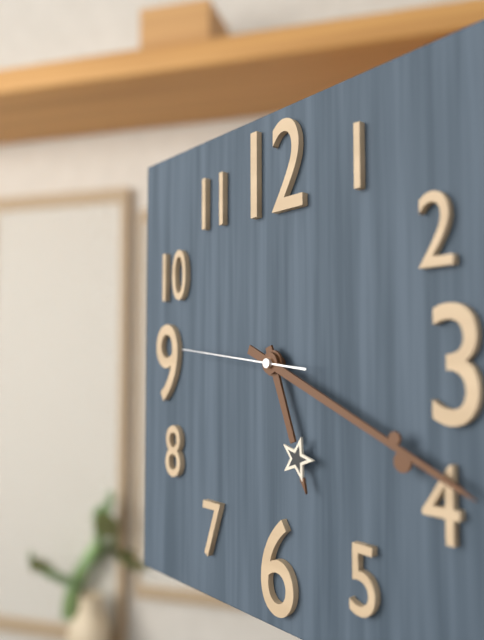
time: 5:19:46
